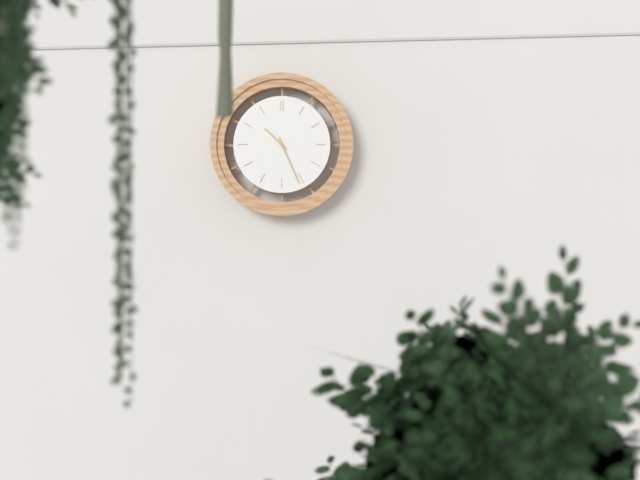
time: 10:26
